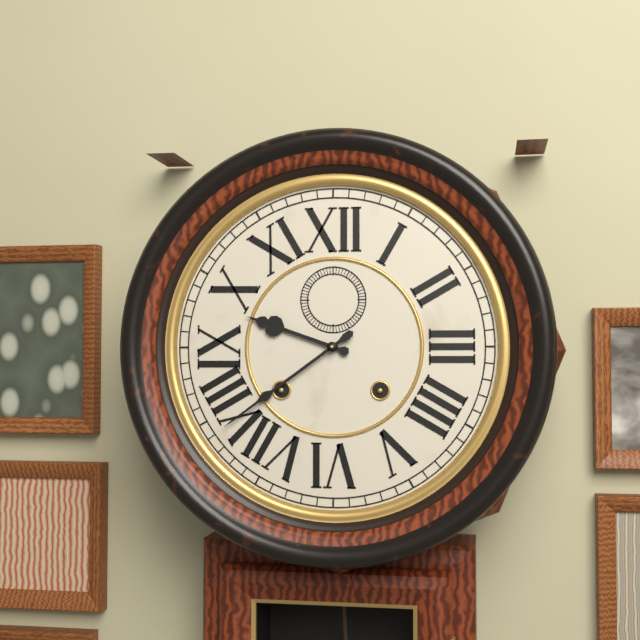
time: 9:39
